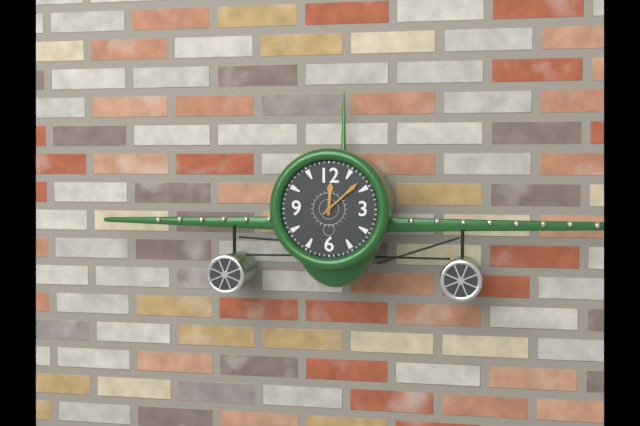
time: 12:08
